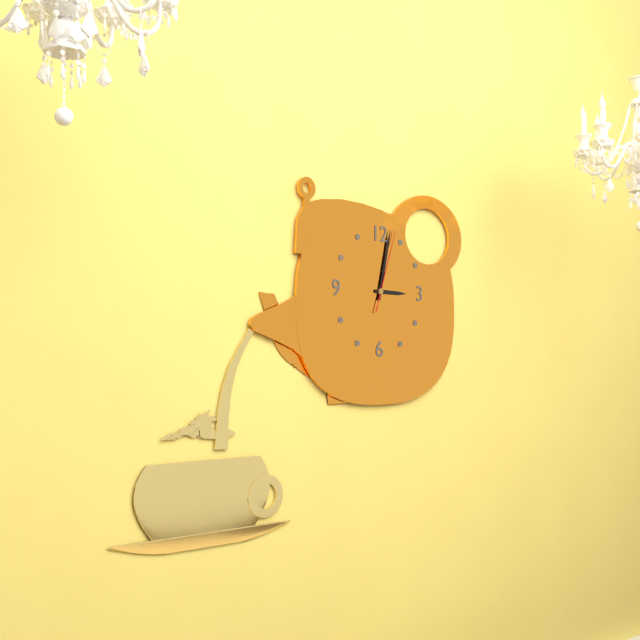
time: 3:02:03
